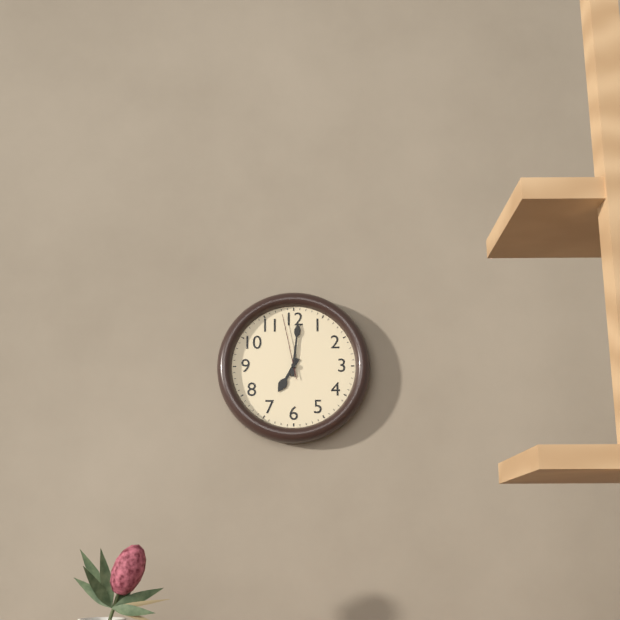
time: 7:01:58
